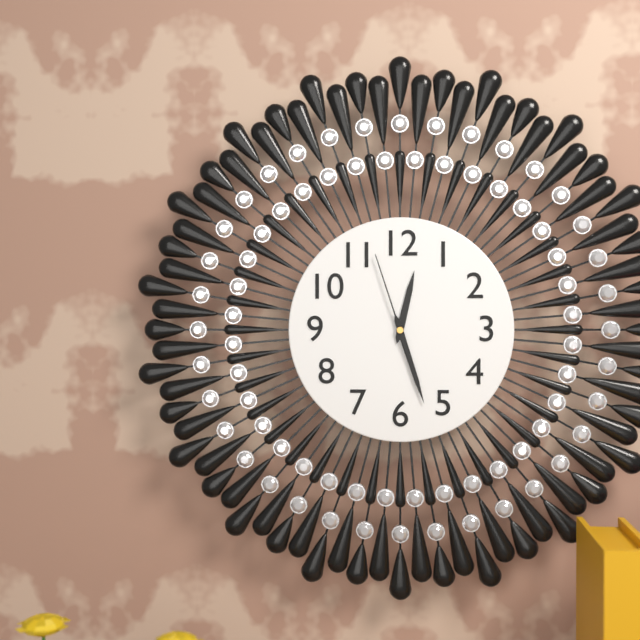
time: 12:27:57
